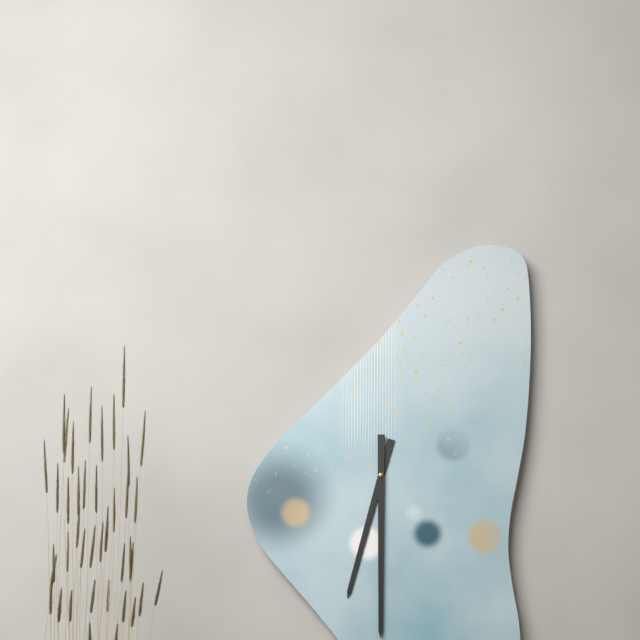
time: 6:30
